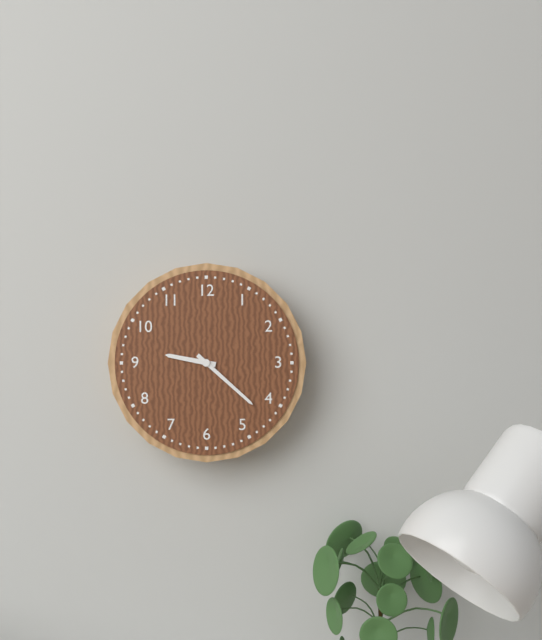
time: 9:22
